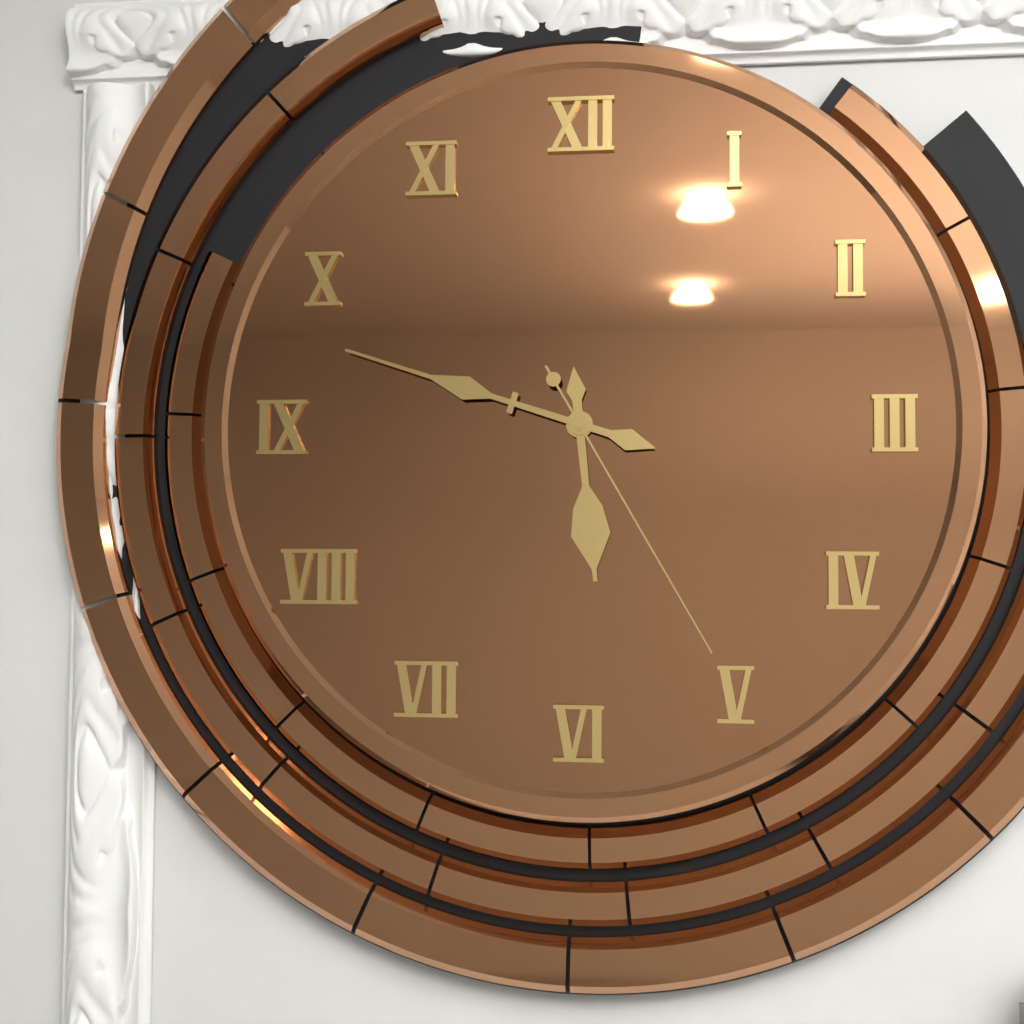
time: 5:48:25
